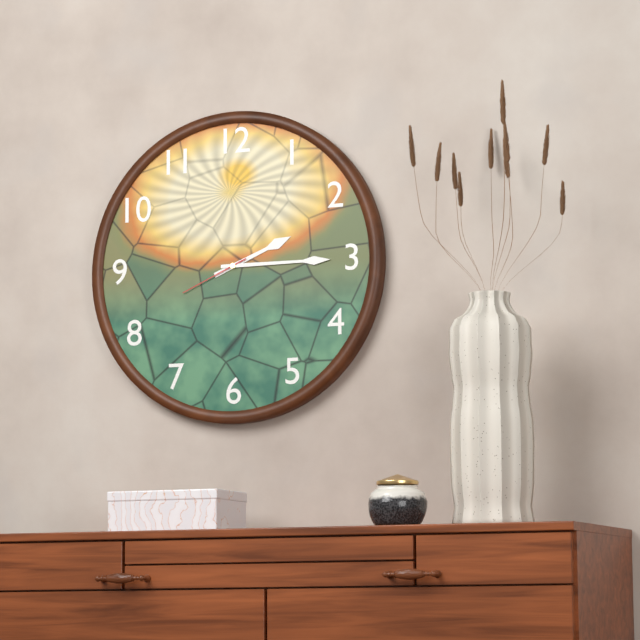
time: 2:15:41
